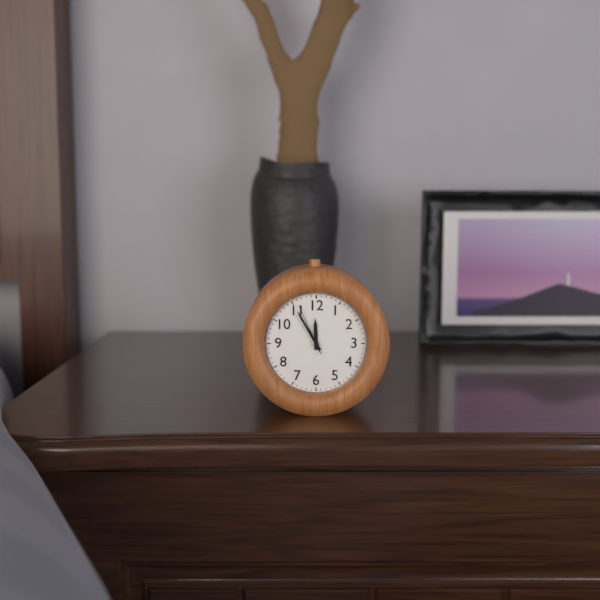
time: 11:55:56
